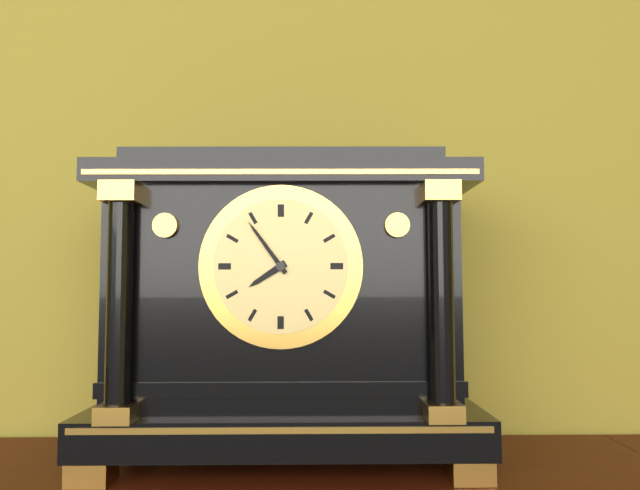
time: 7:54
